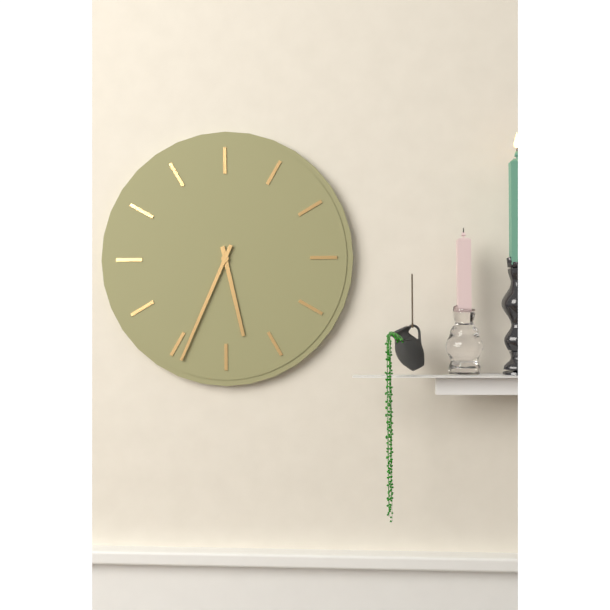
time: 5:34
